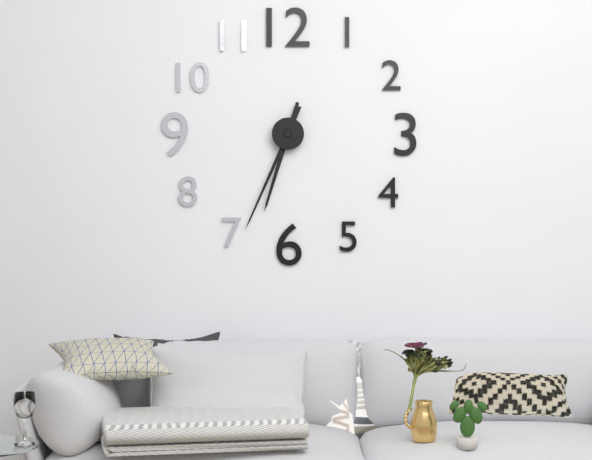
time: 6:34
